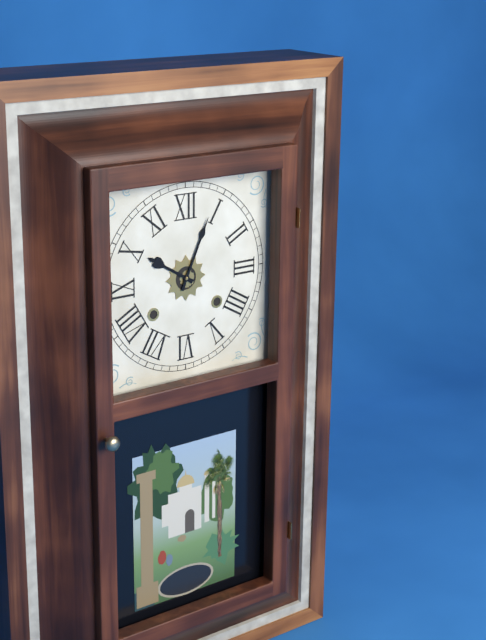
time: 10:04
